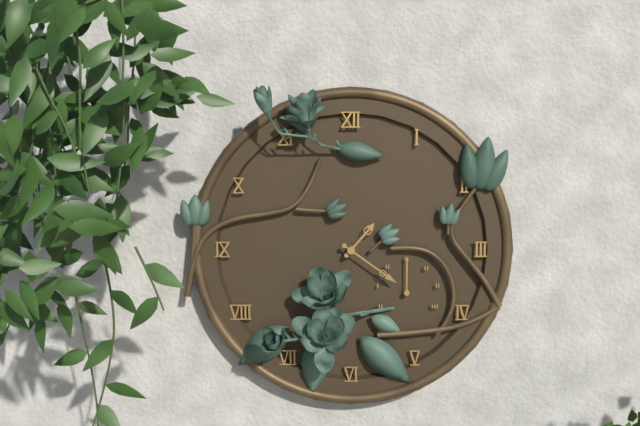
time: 1:21
